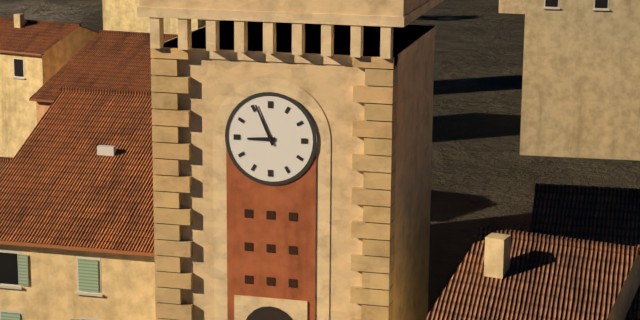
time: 8:56
